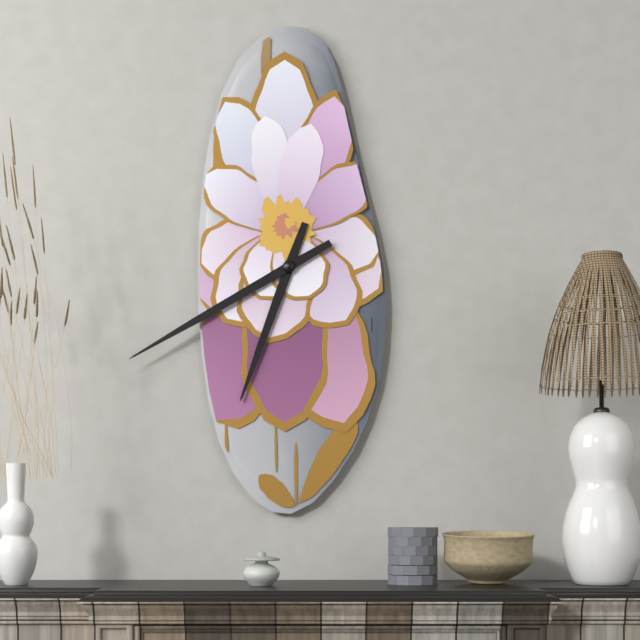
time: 6:40
